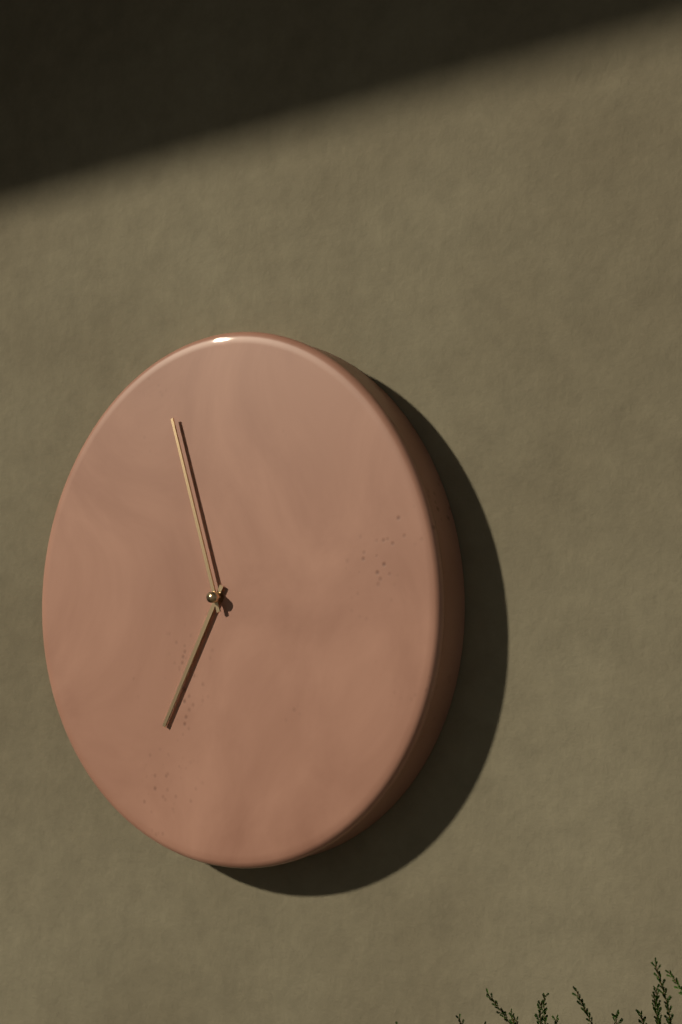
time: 6:57
